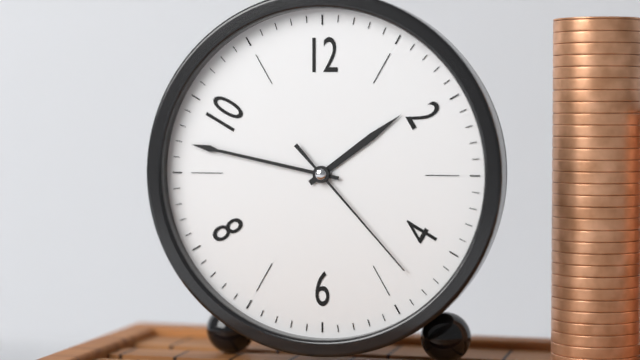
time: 1:47:23
